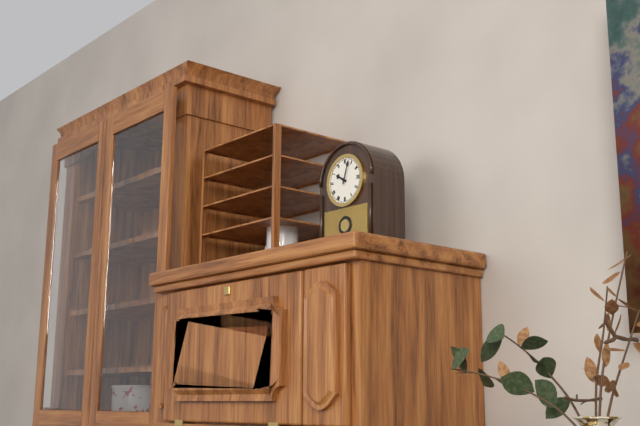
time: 10:03
